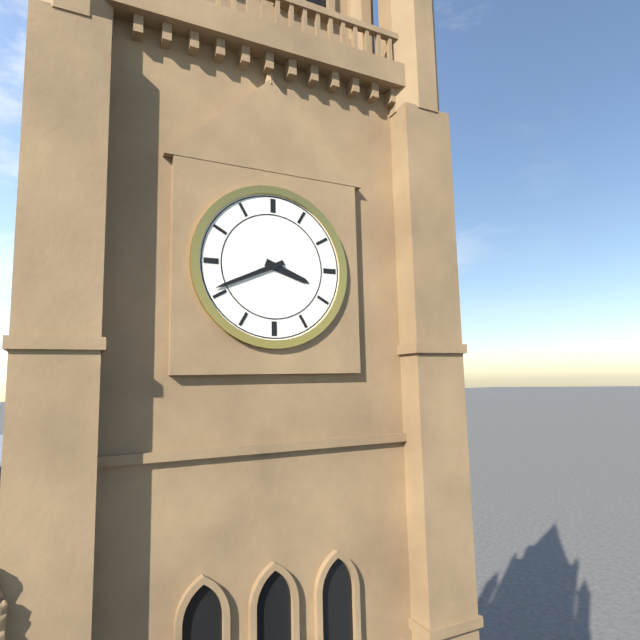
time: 3:41
